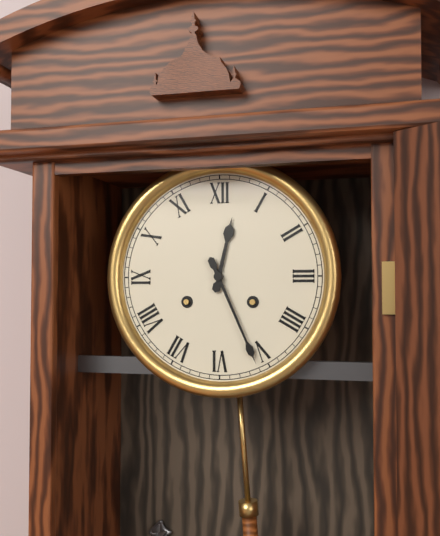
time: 12:26
